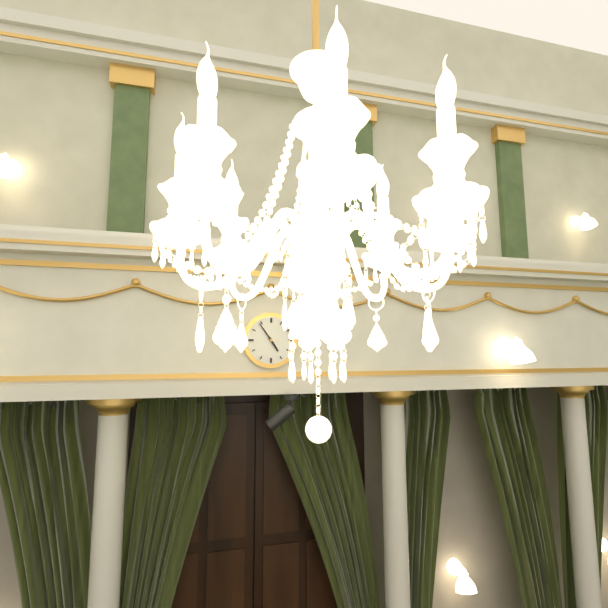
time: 4:54
